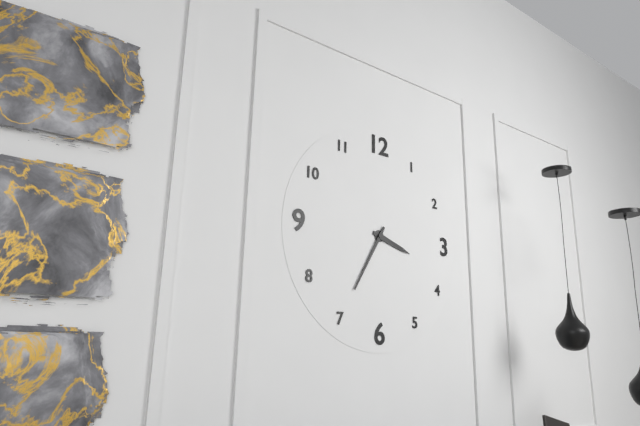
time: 3:35
